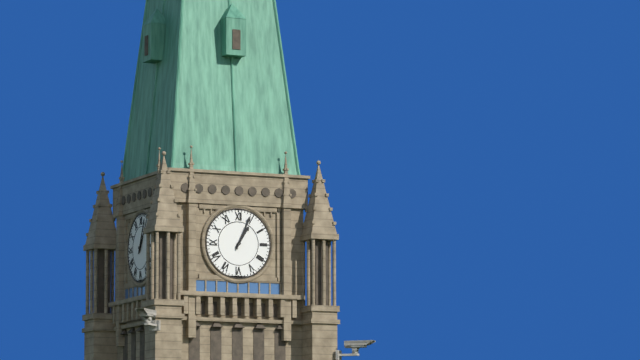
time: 1:04
